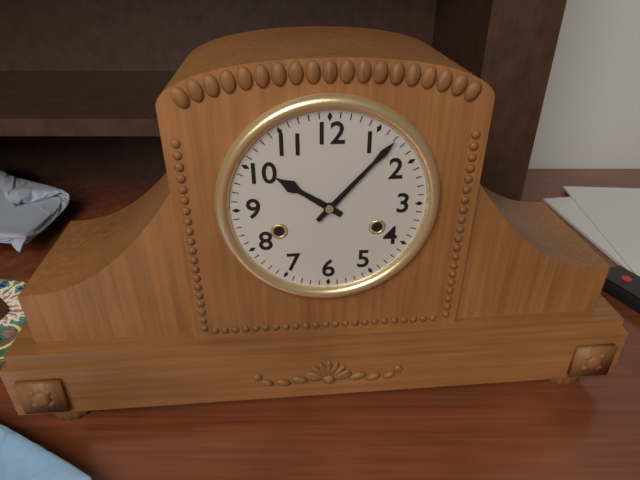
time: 10:07
